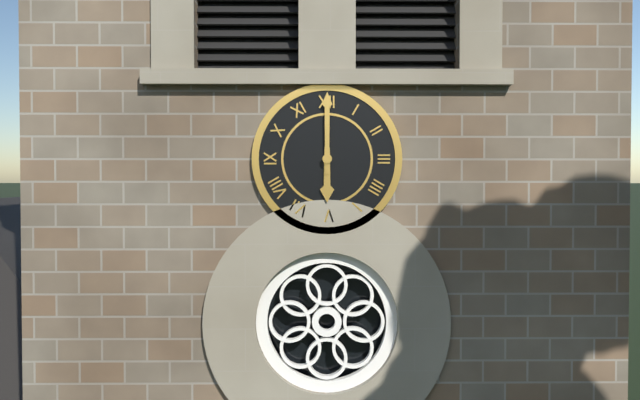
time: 6:00
